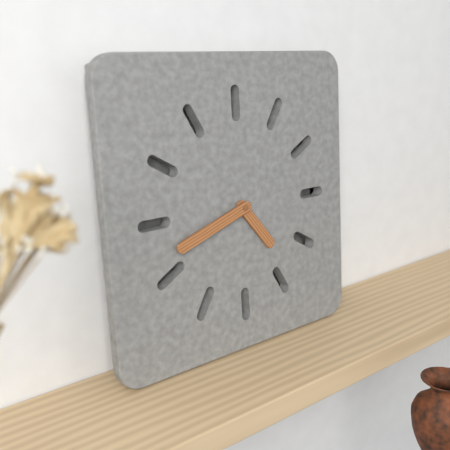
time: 4:42
